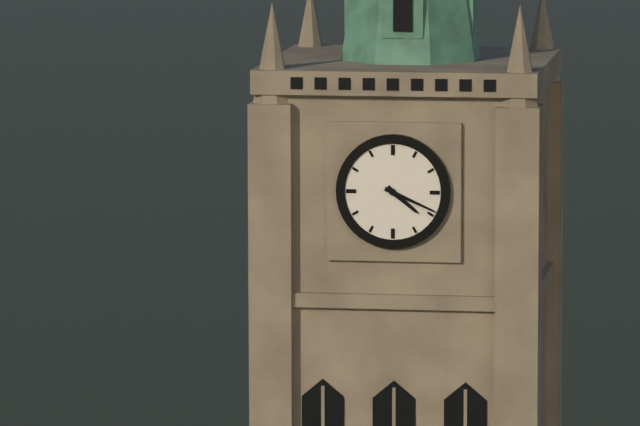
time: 4:19
